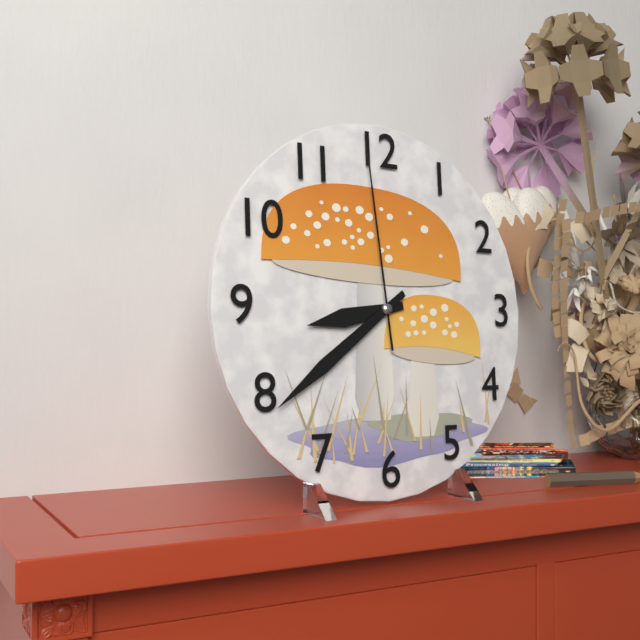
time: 8:39:59
